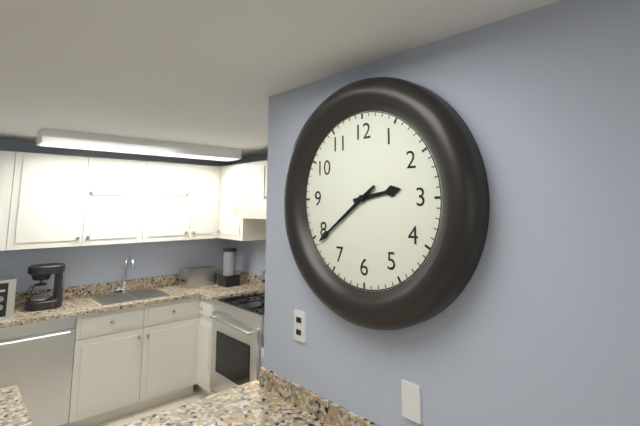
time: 2:39
